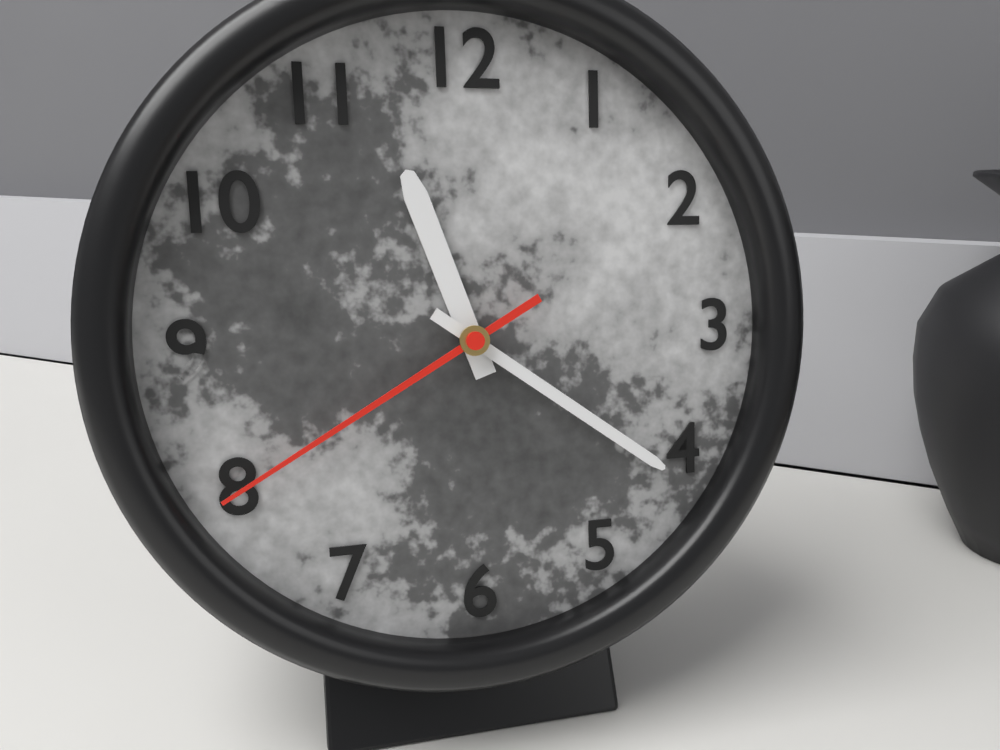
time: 11:21:40
